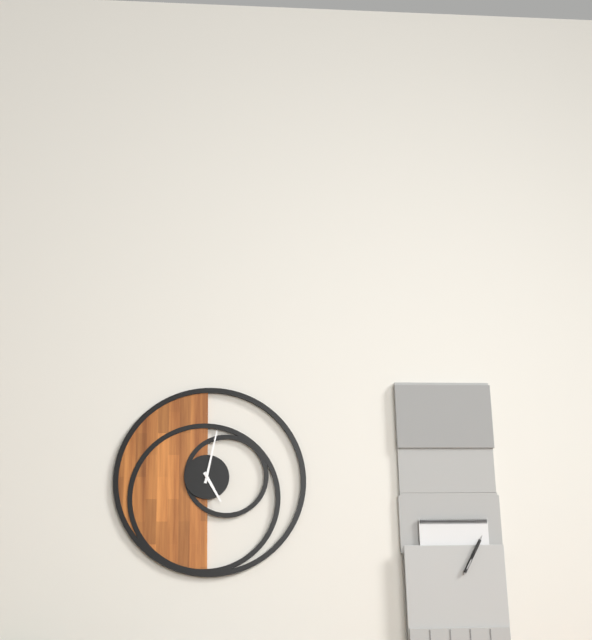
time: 5:02
